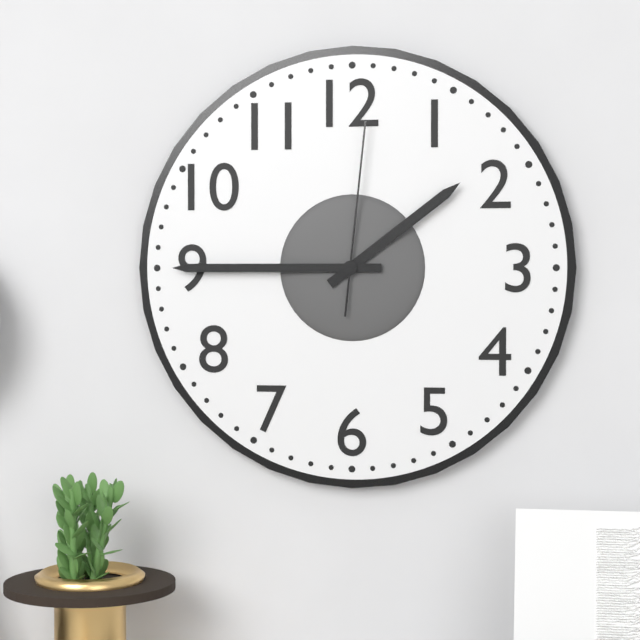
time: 1:45:01
